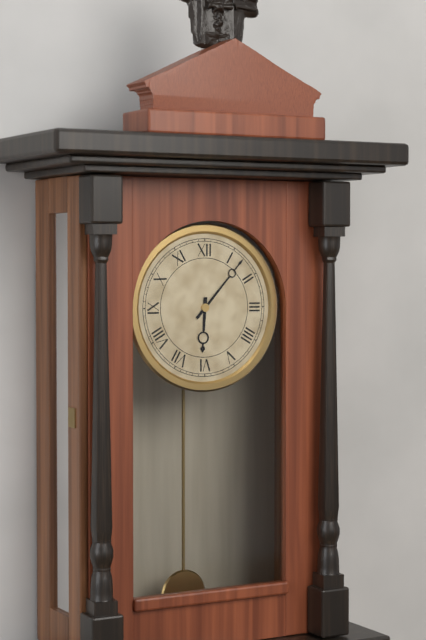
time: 6:07
